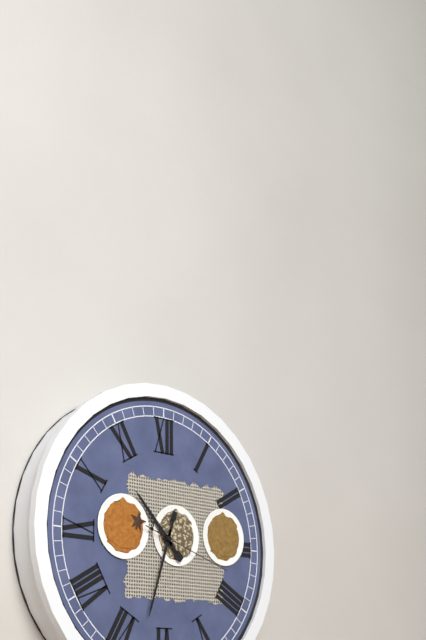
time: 10:33:18
